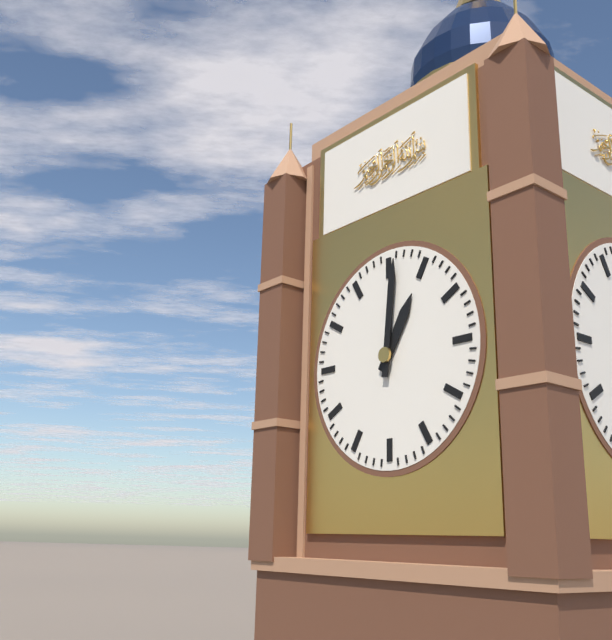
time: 1:01
